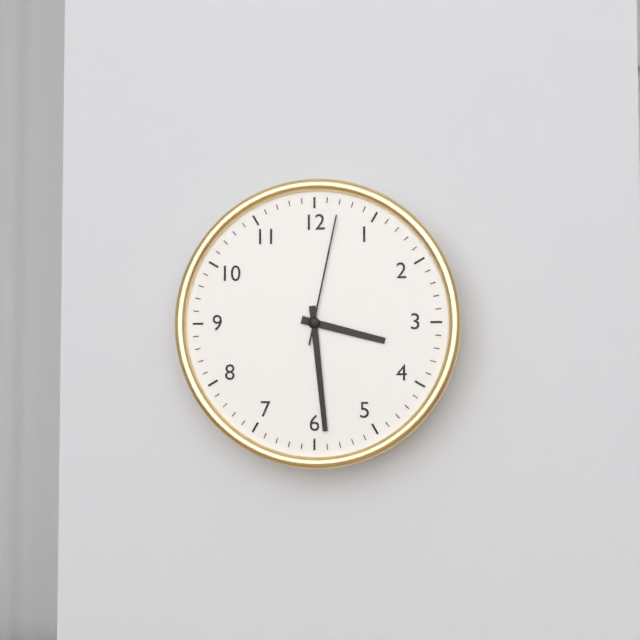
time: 3:29:02
